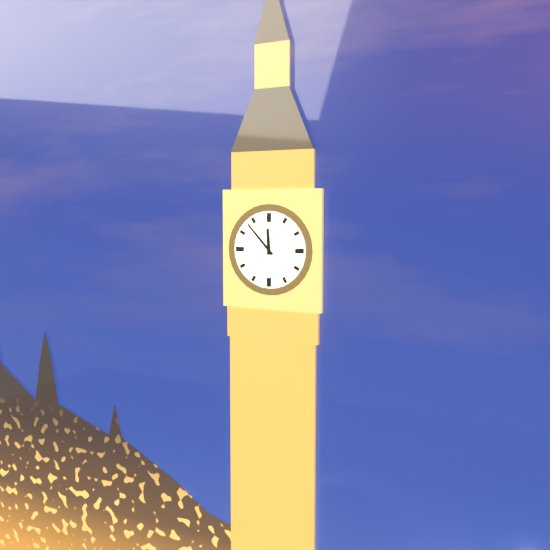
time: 11:53
